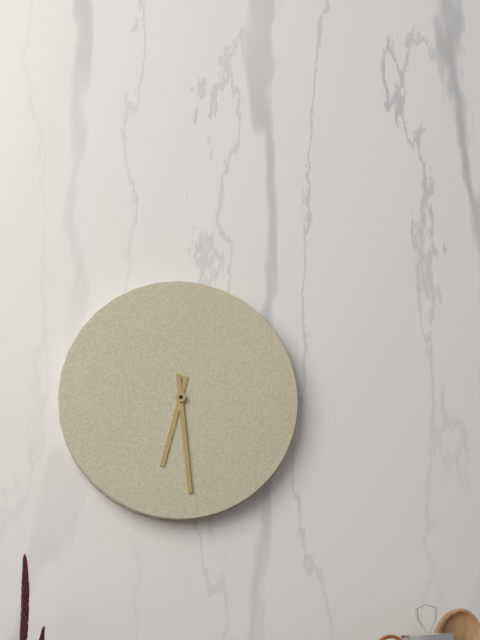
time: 6:29
